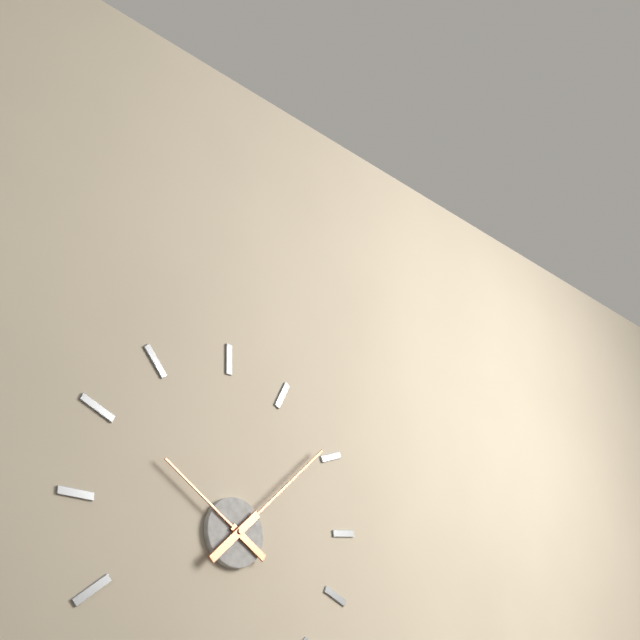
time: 10:08
